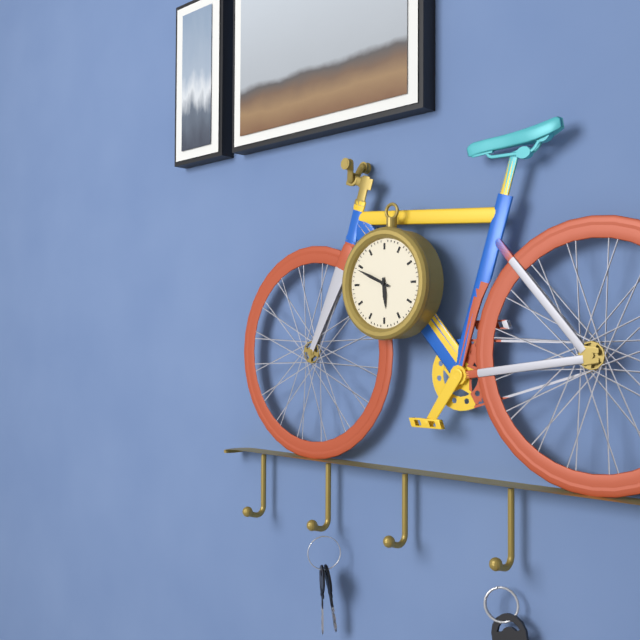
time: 5:49
